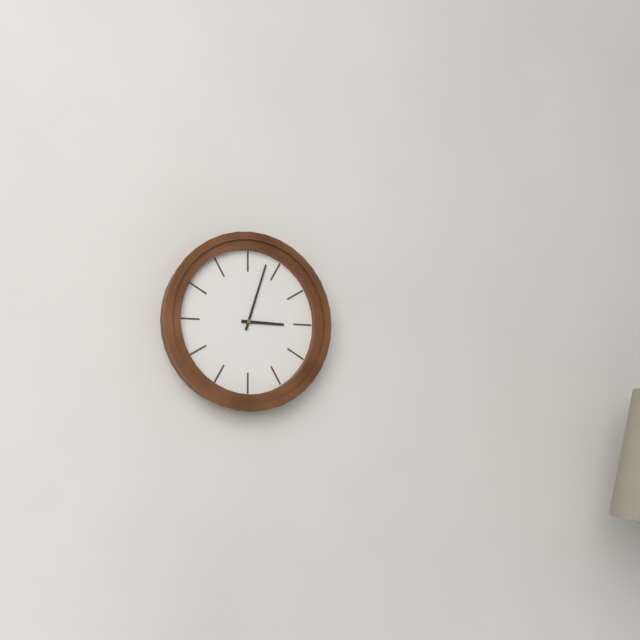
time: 3:03
